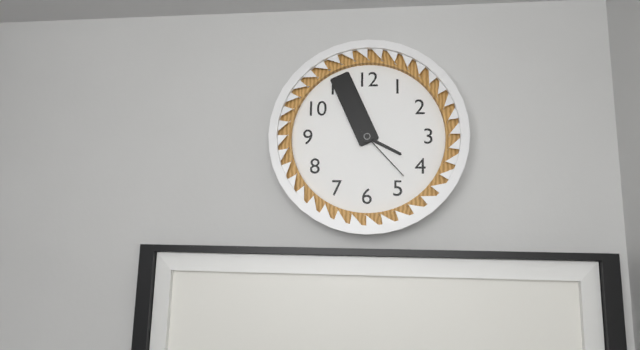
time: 3:56:23
